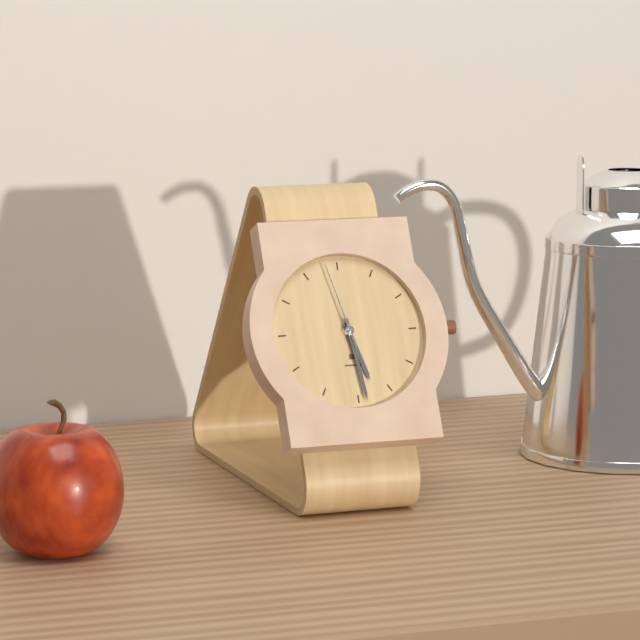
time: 5:29:58
